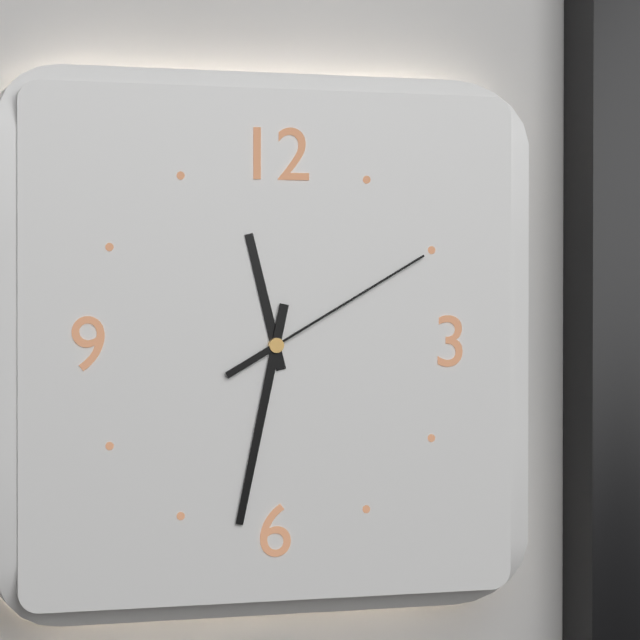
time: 11:32:10
